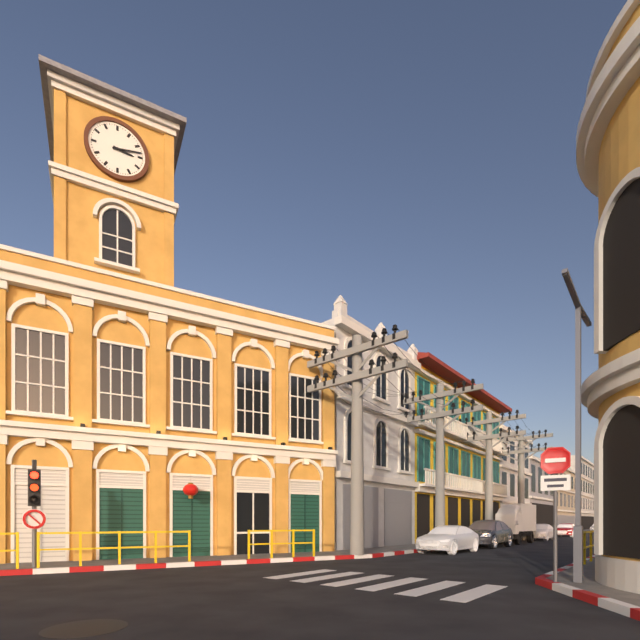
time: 3:13
